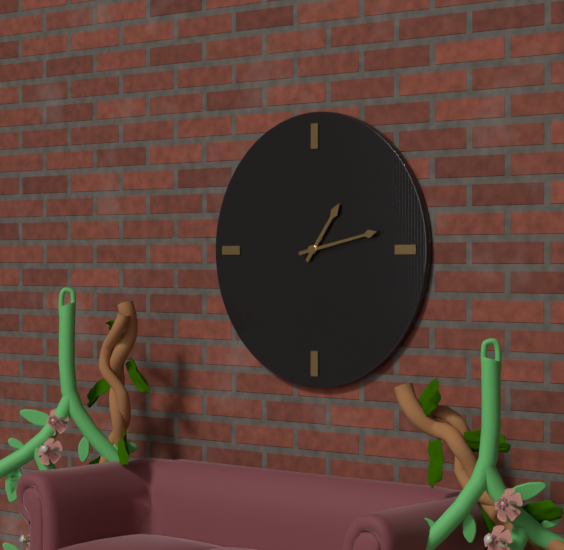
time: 1:13
